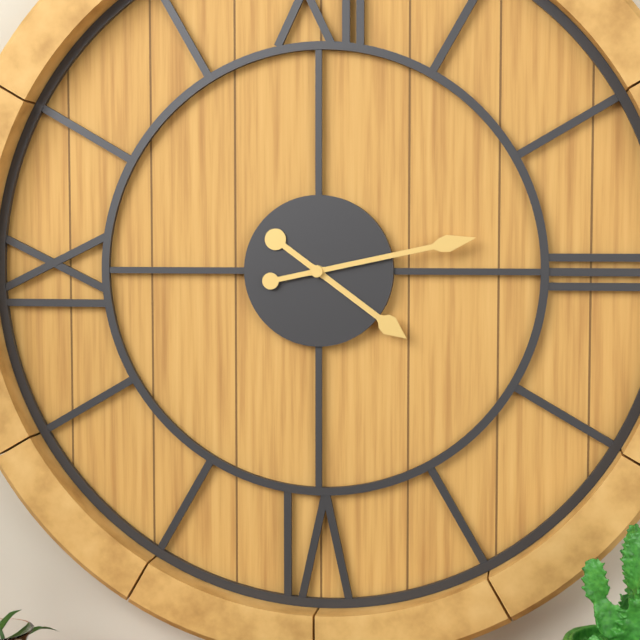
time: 4:13
